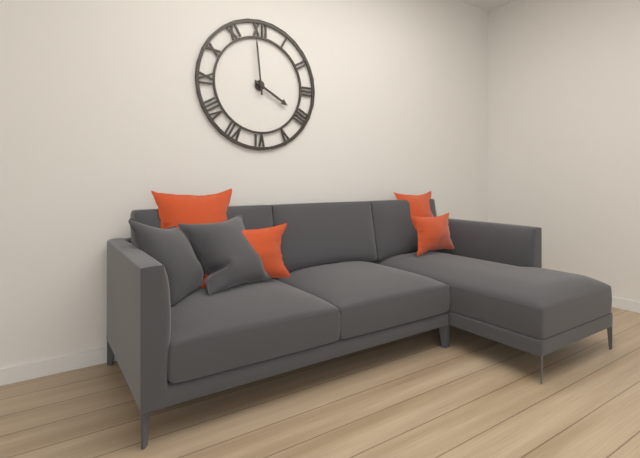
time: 3:59
